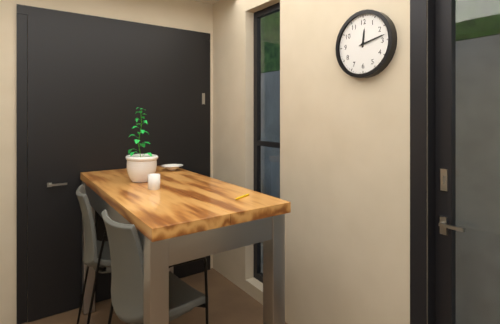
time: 12:13
